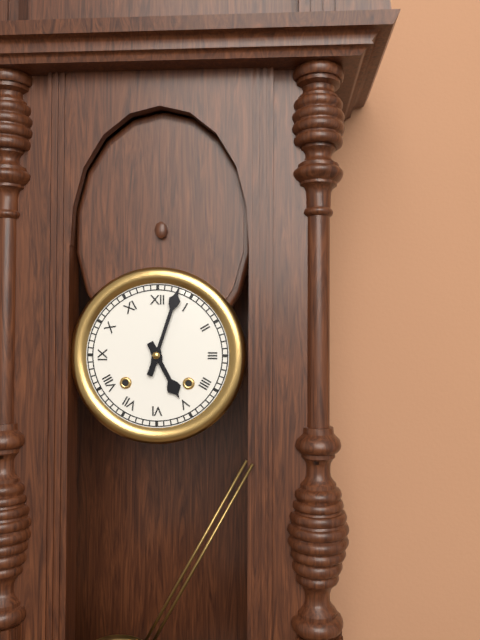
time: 5:03
